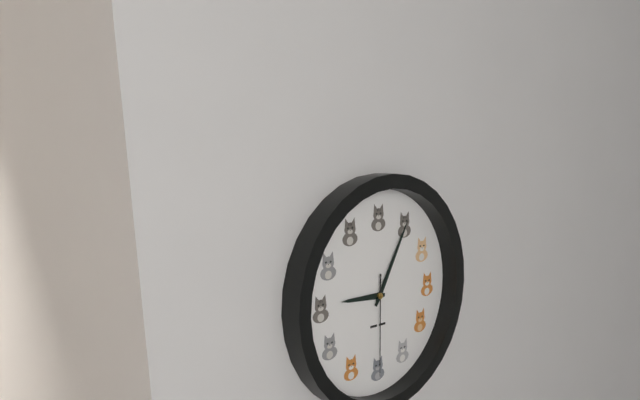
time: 9:05:30
